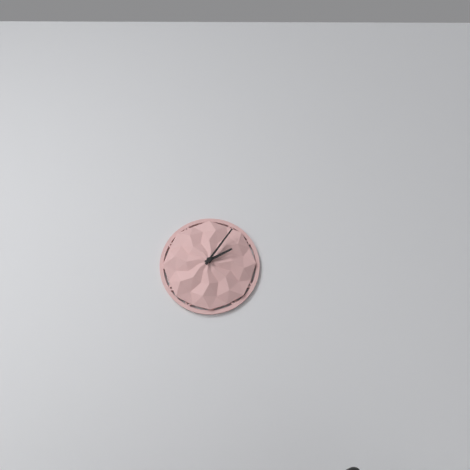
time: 2:06
